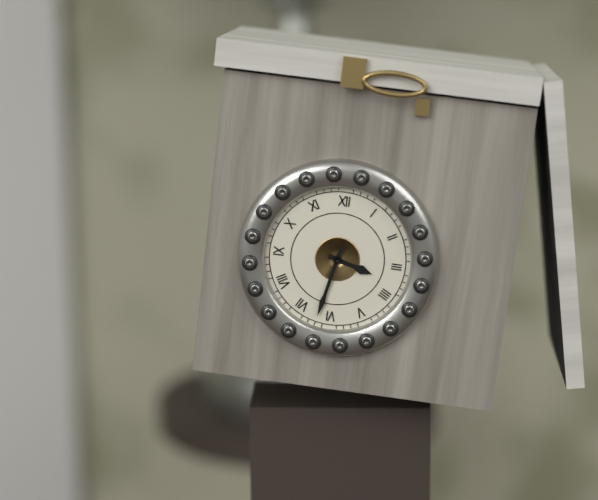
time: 3:32
